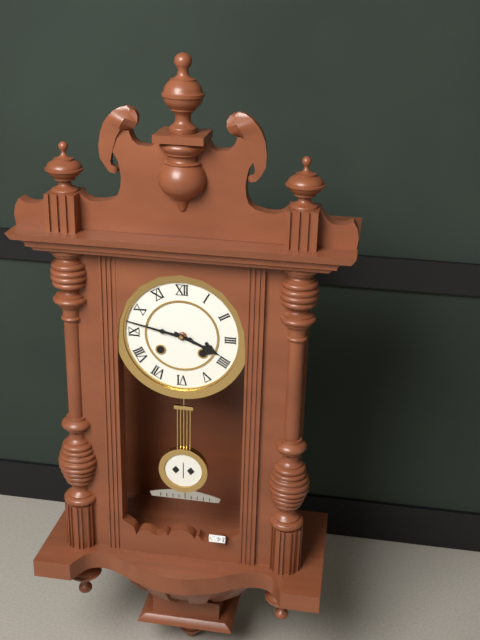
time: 3:47
